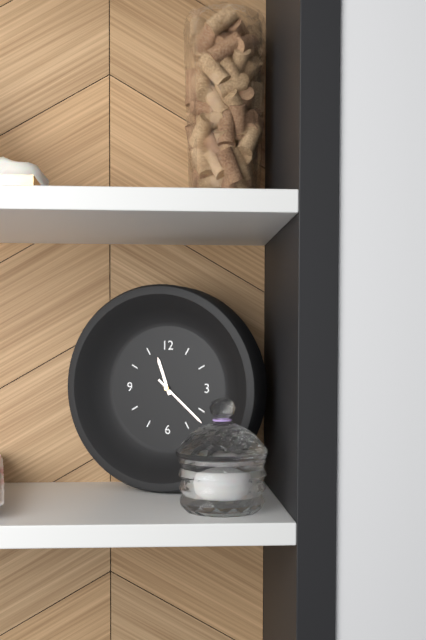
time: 11:22
